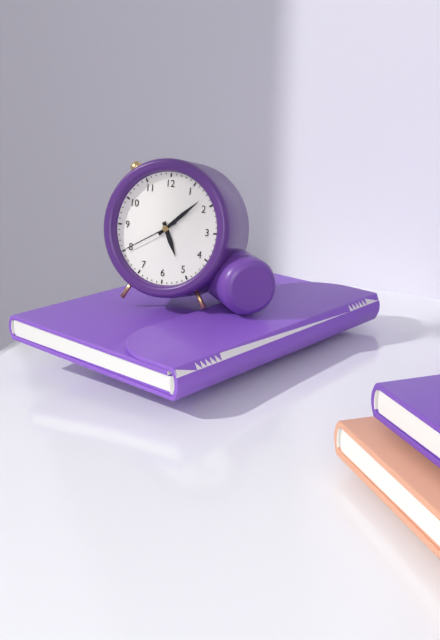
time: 5:08:40
